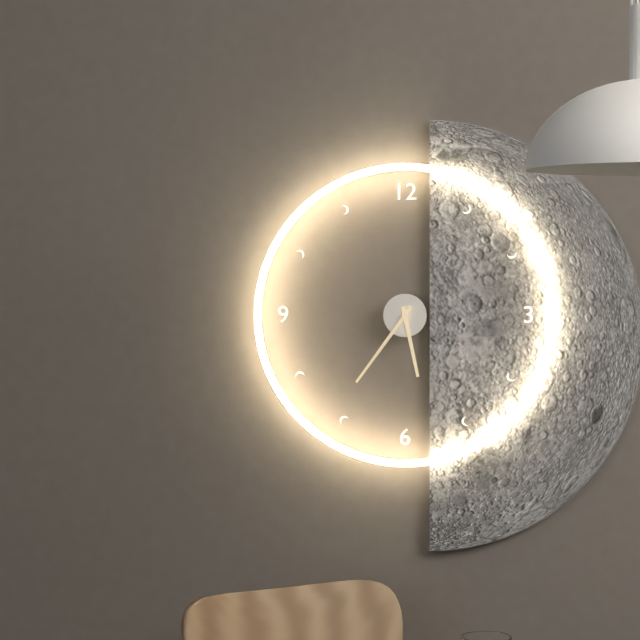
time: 5:36
